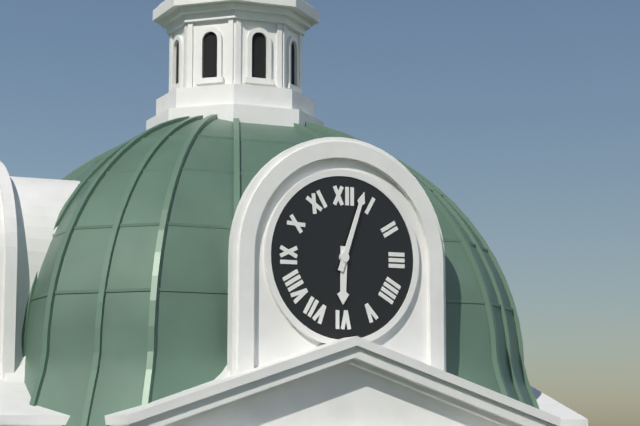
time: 6:03
